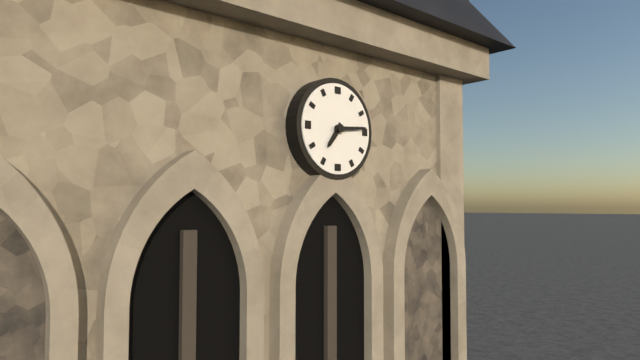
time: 7:14
